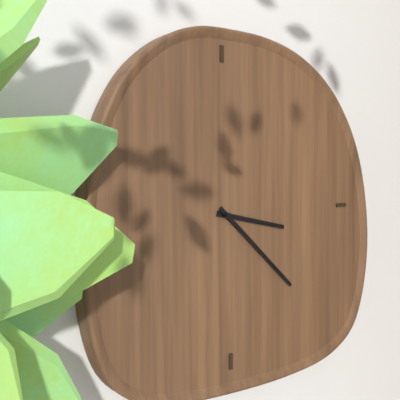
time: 3:22
